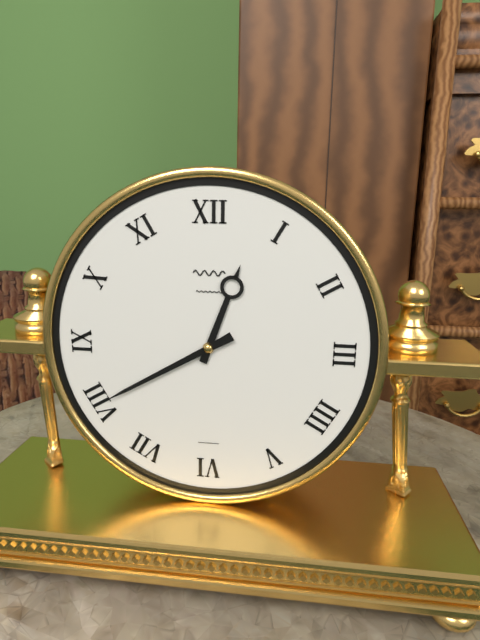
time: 12:40
